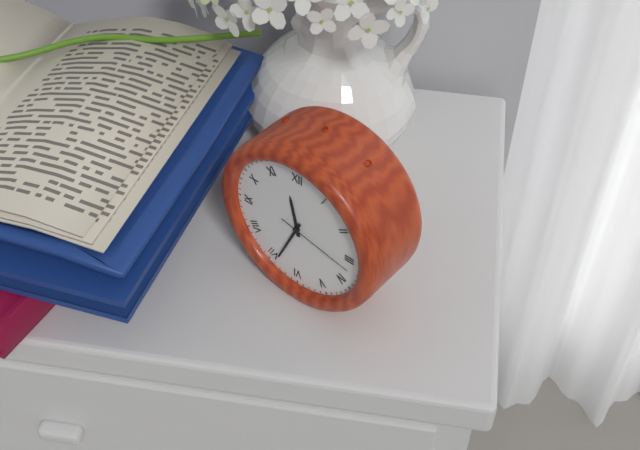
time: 11:34:17
